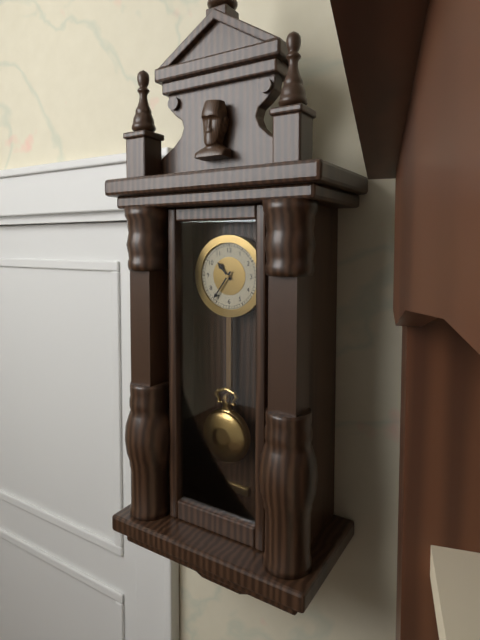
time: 10:36
